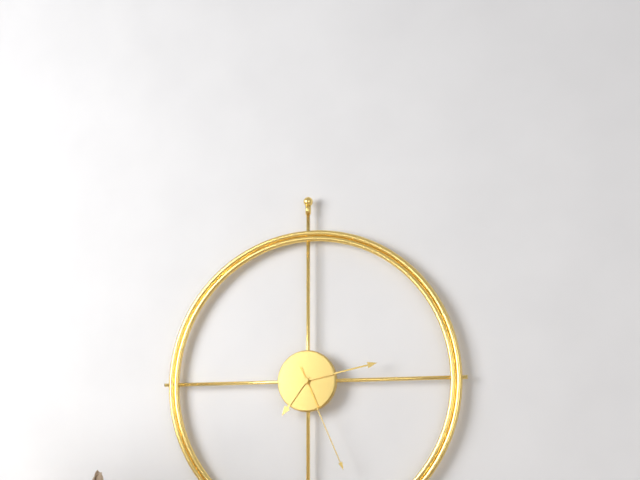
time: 7:13:26
